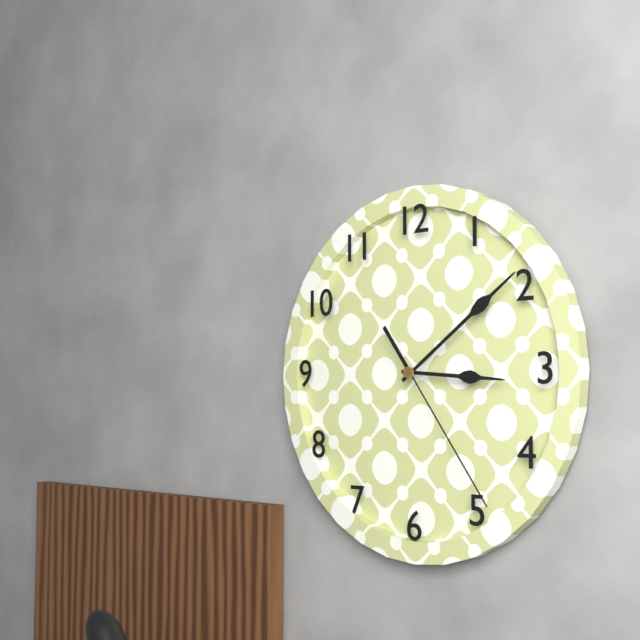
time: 3:09:24
